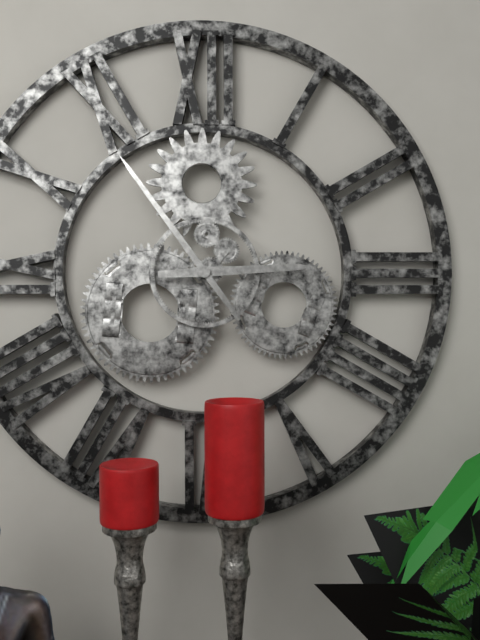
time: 2:54
